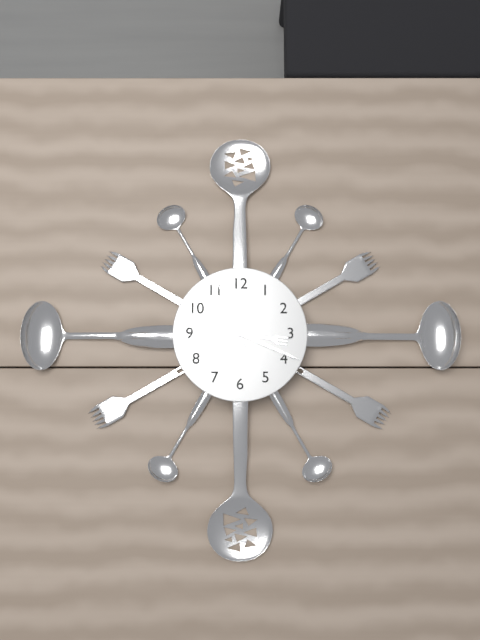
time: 3:19:56
